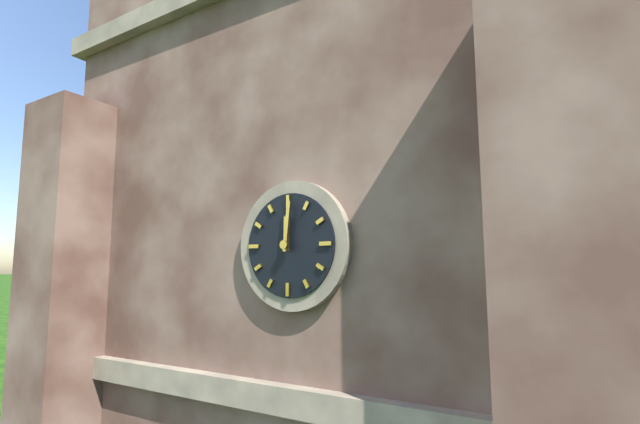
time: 12:01
